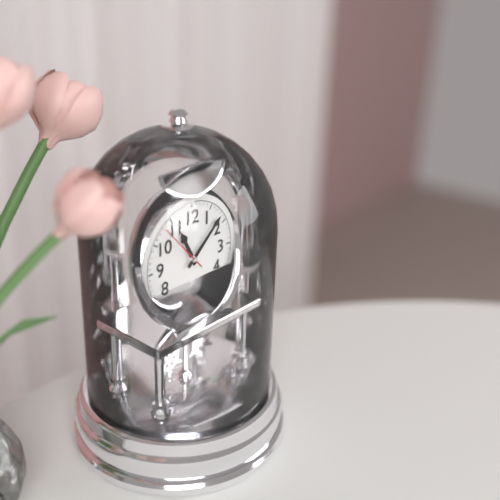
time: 11:08
